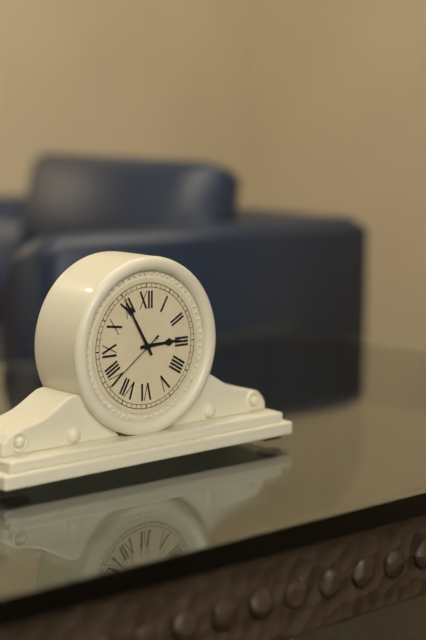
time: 2:55:39
